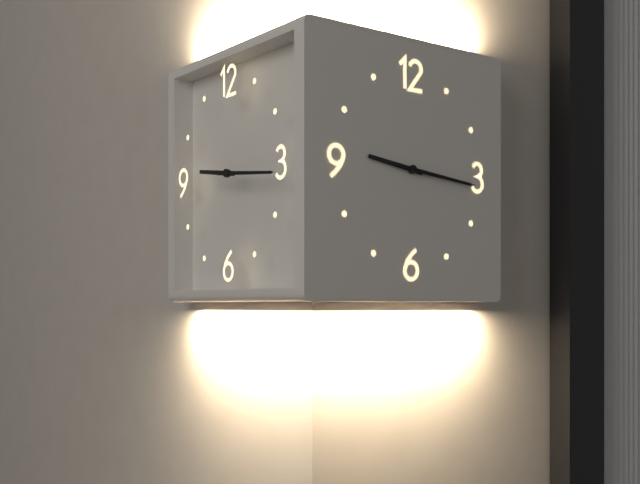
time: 9:16:16
